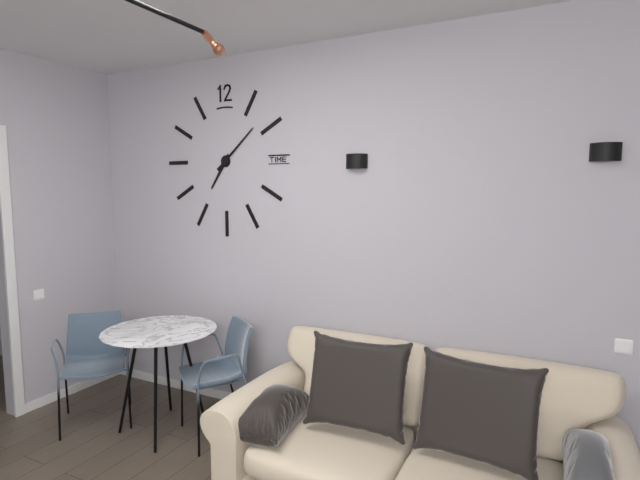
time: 7:08
